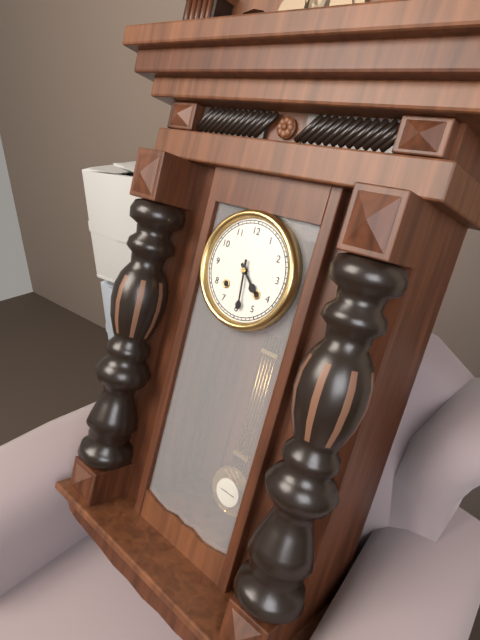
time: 4:29
